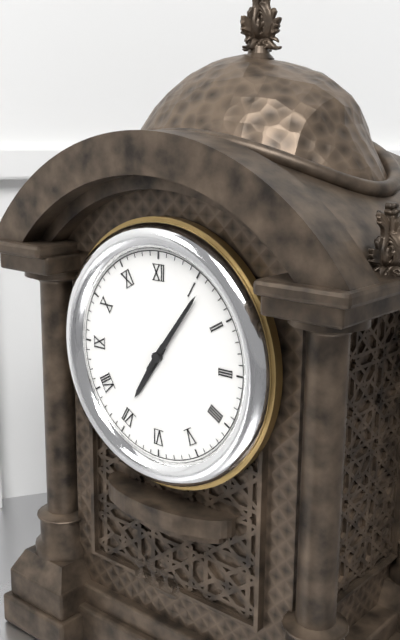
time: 7:06
